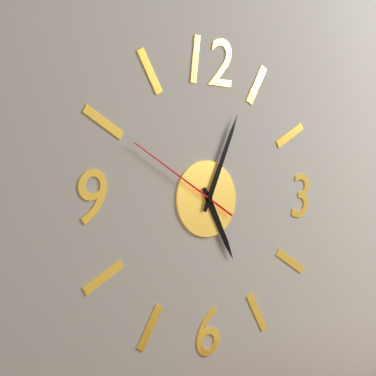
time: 5:04:50
